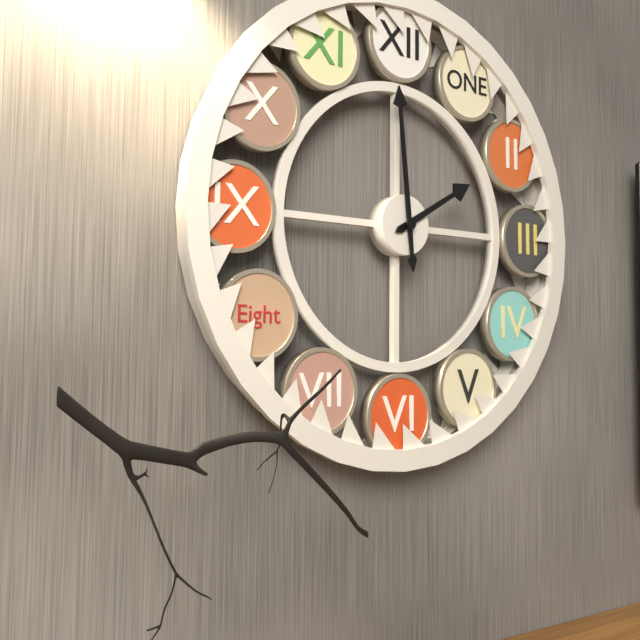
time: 1:59
